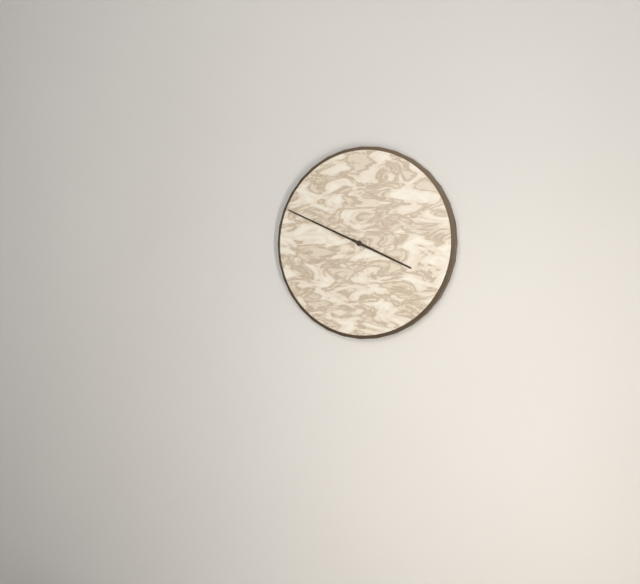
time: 3:49
